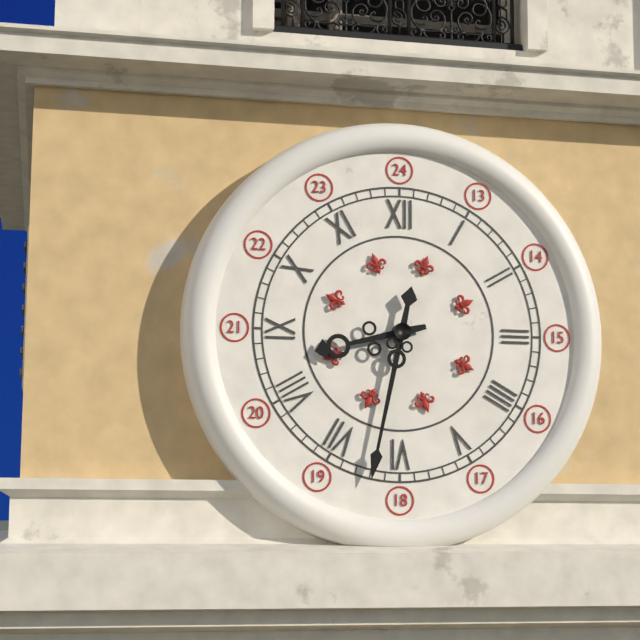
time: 8:32
